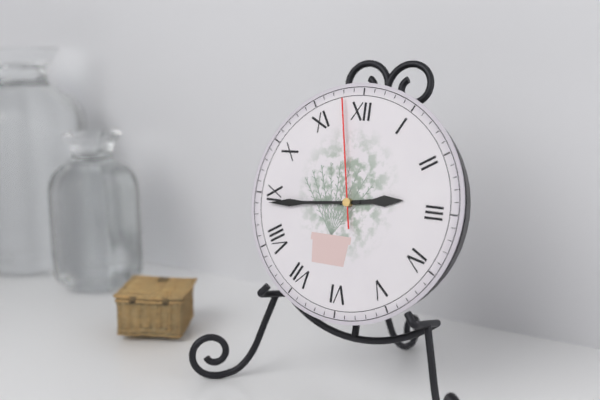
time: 2:44:58
